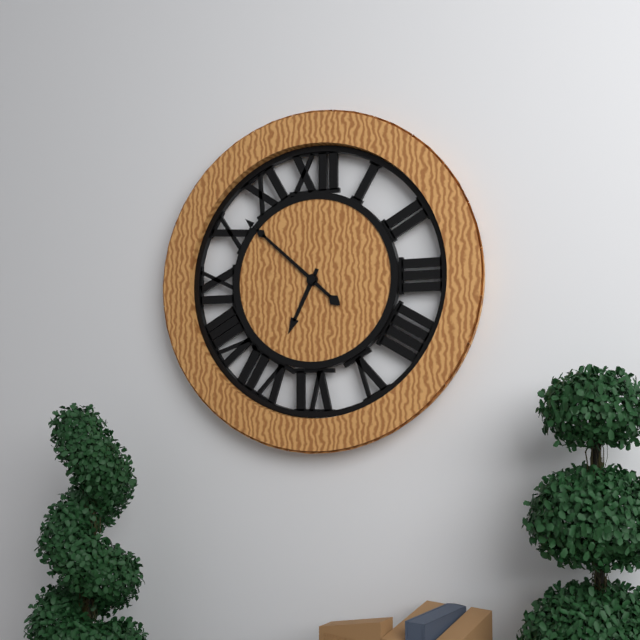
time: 6:52
